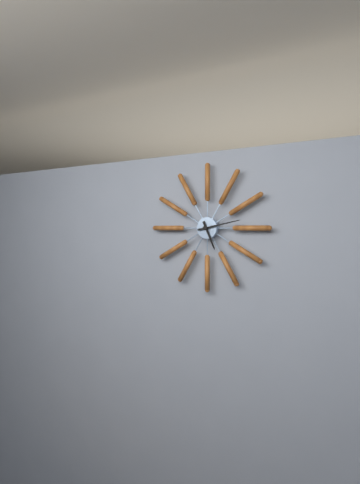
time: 5:13
